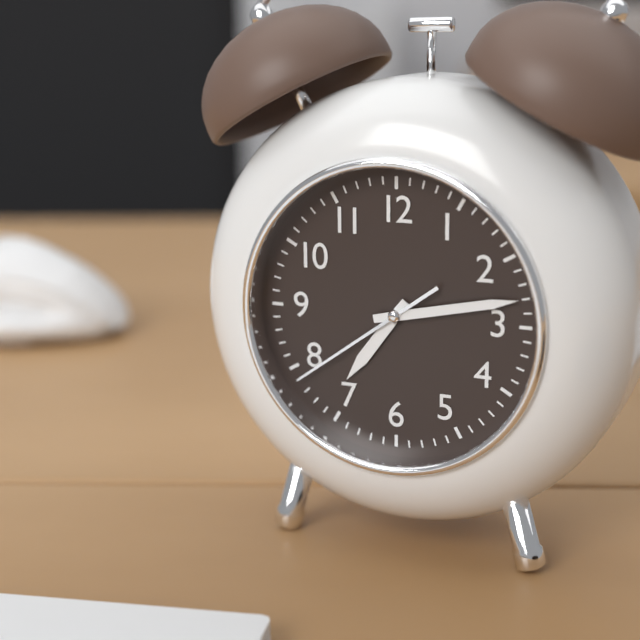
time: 7:13:39
